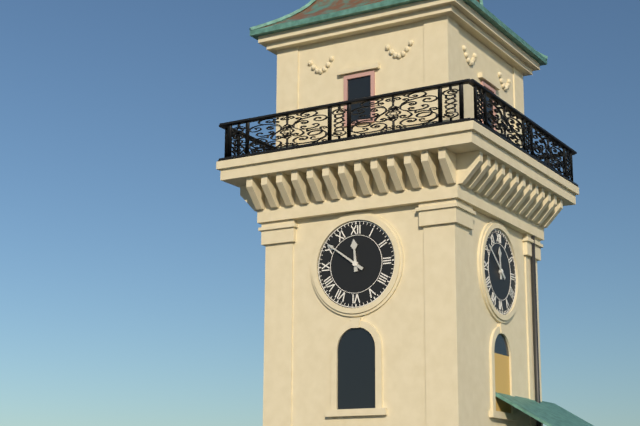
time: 11:51
